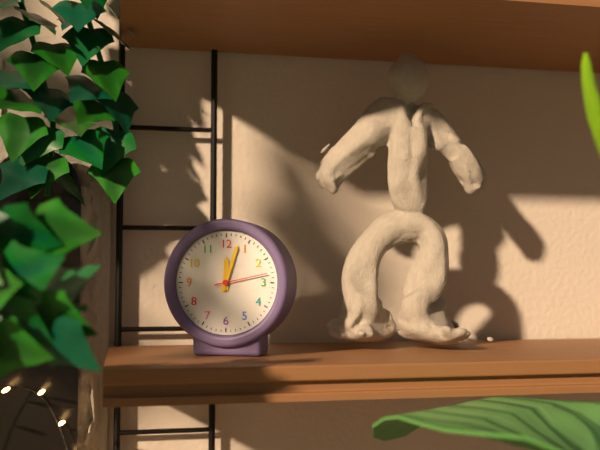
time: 12:03
